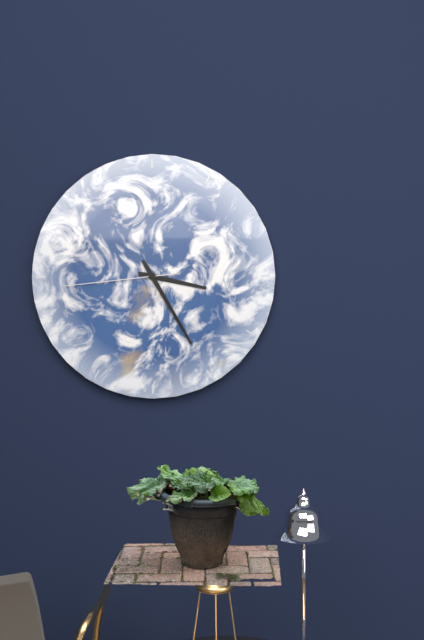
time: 3:25:44
